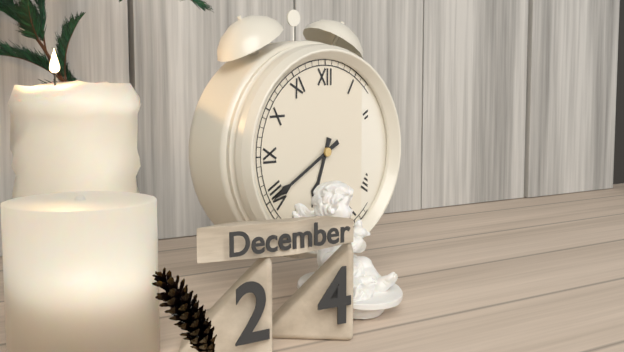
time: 6:40
